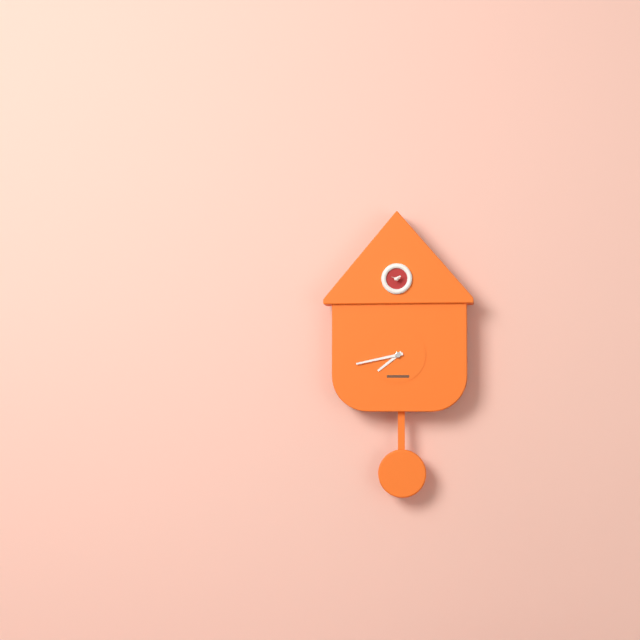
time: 7:43
